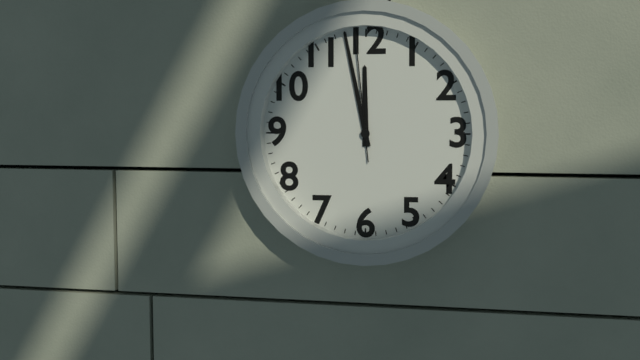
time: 11:58:59
